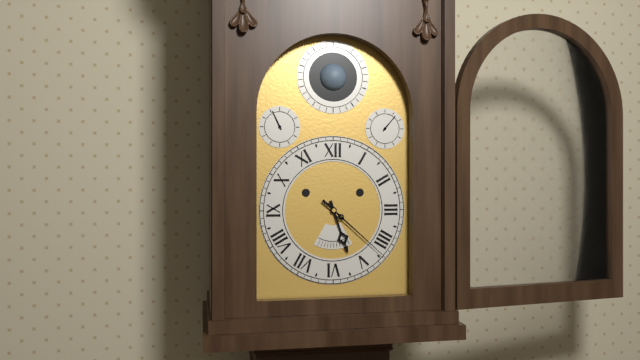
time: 5:22
